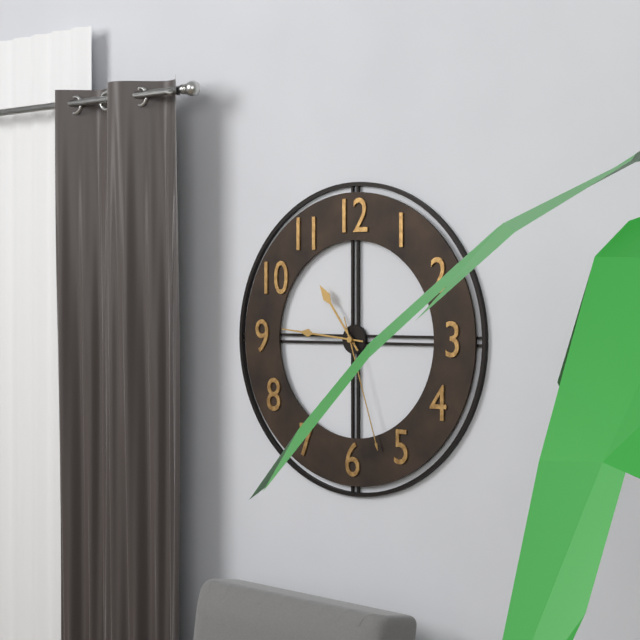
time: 10:46:27
